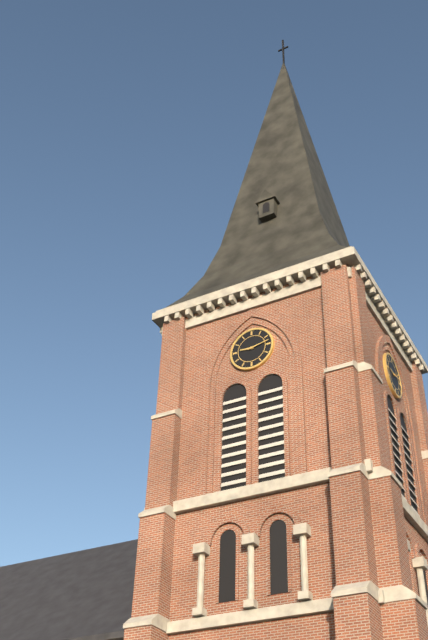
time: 9:13
